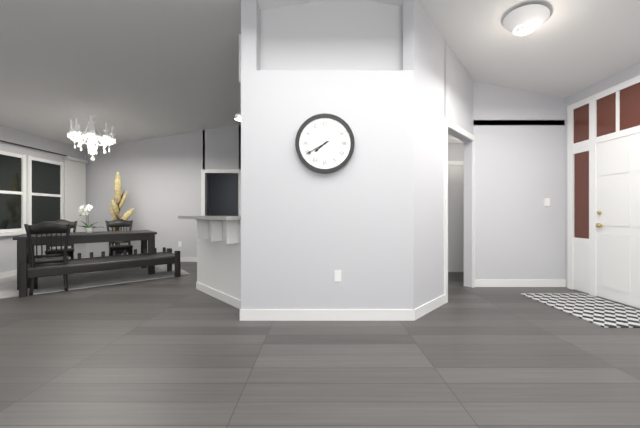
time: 7:40
